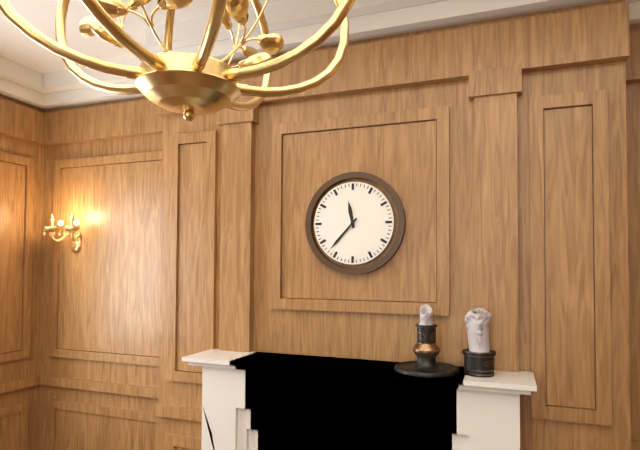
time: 11:37
